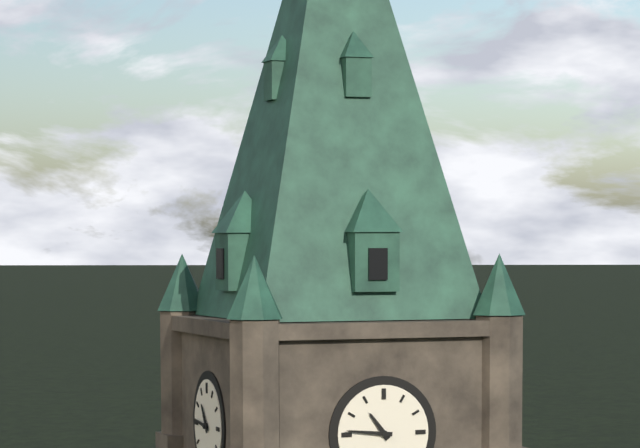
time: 10:46
